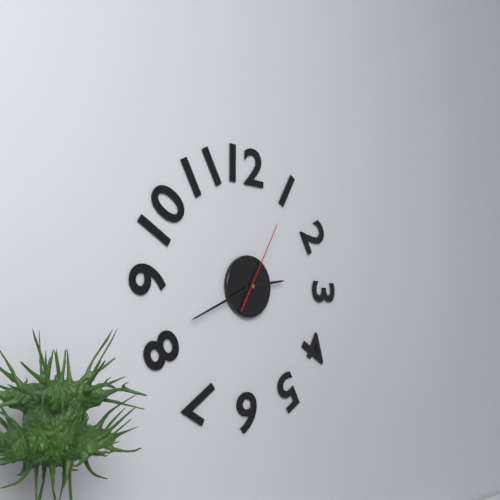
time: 2:41:05
